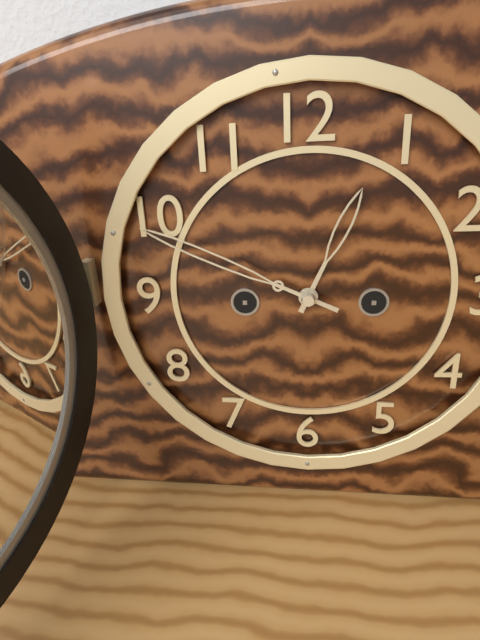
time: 12:49
